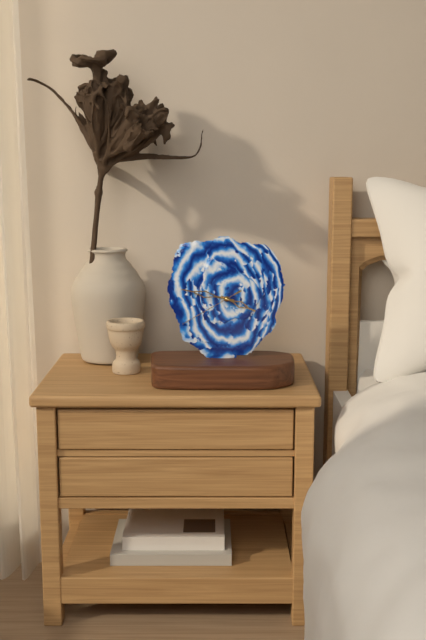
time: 3:47:40
